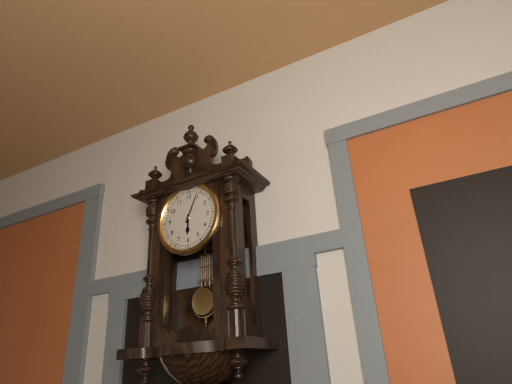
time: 6:04
